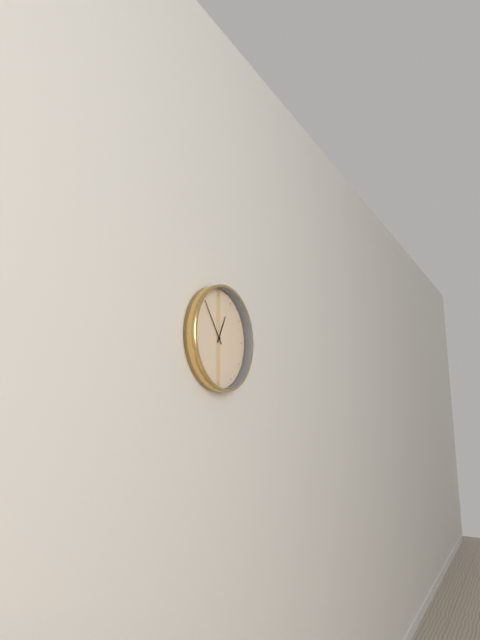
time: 12:54
